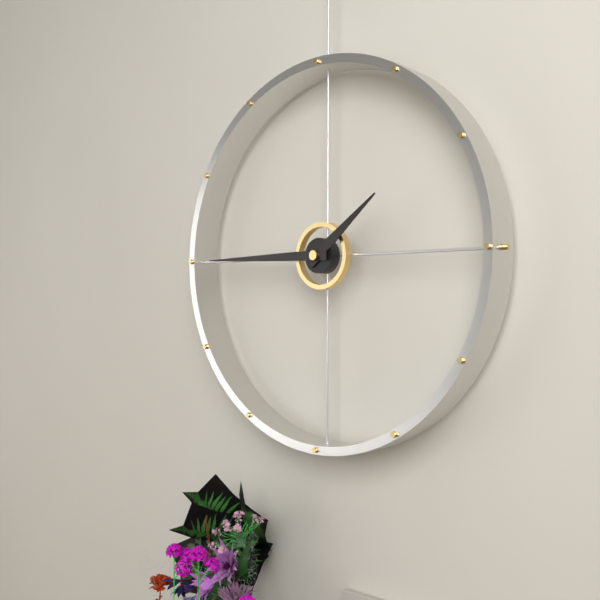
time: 1:45
